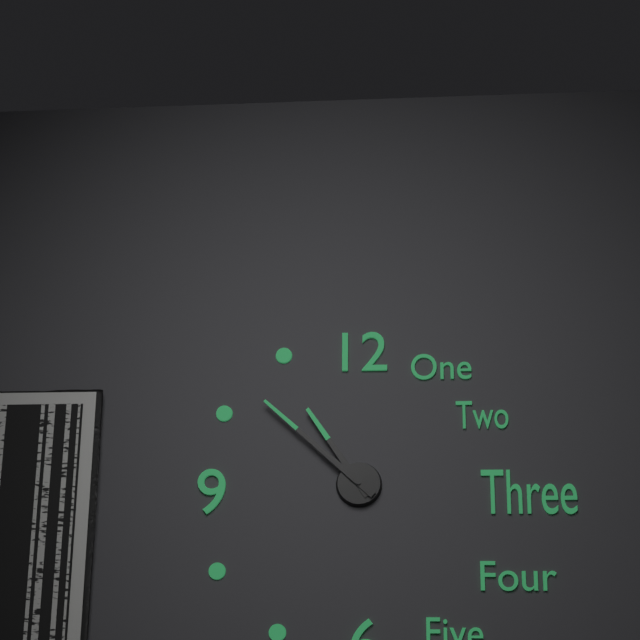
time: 10:52
